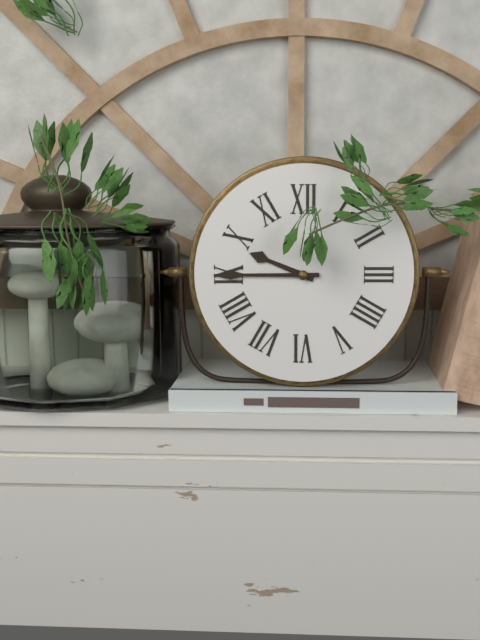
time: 9:45
